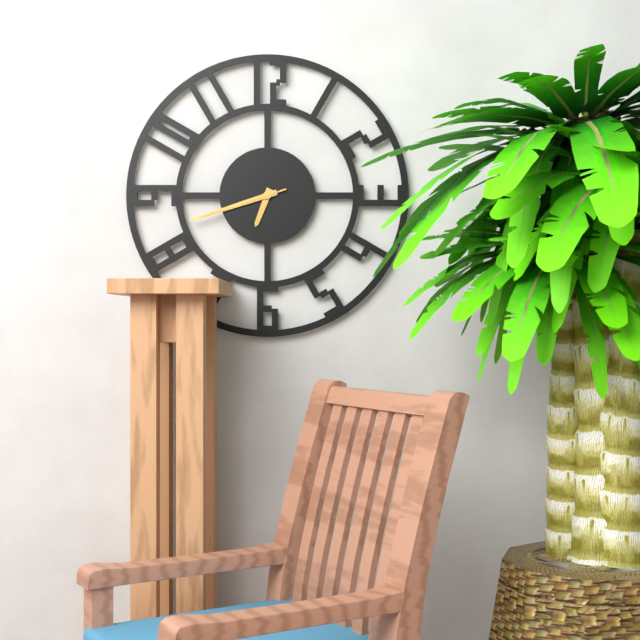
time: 6:42:42
